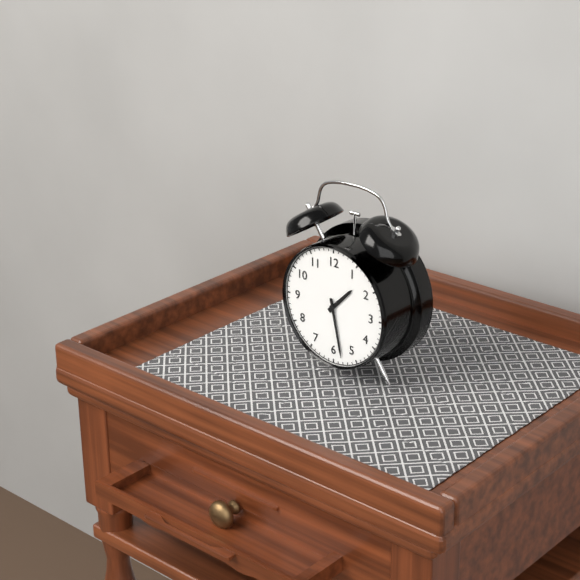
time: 1:28
